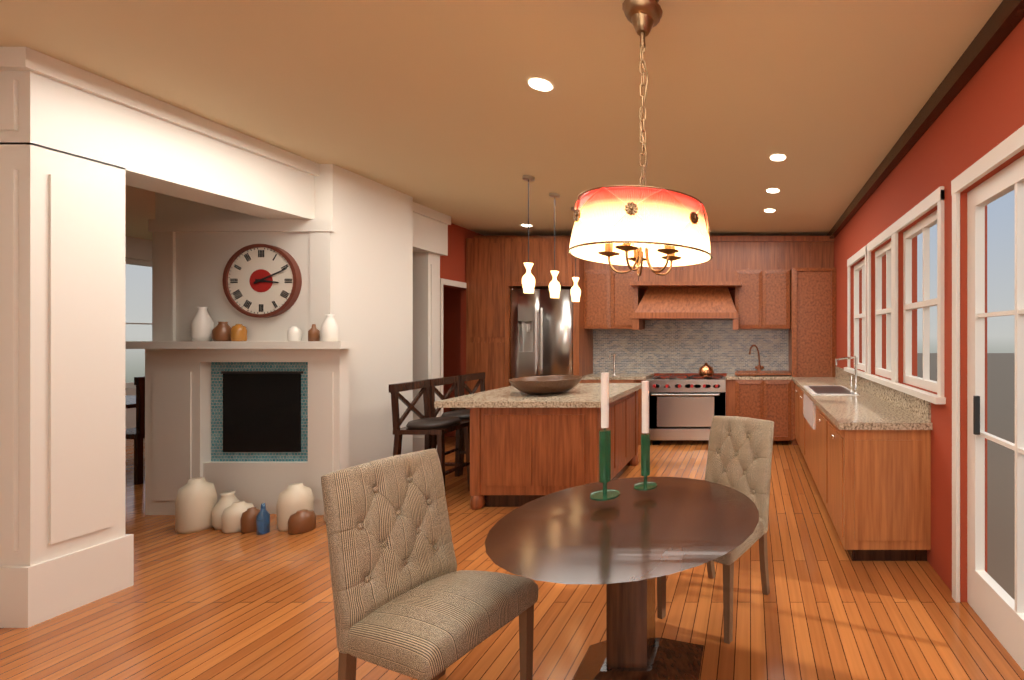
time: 3:11
